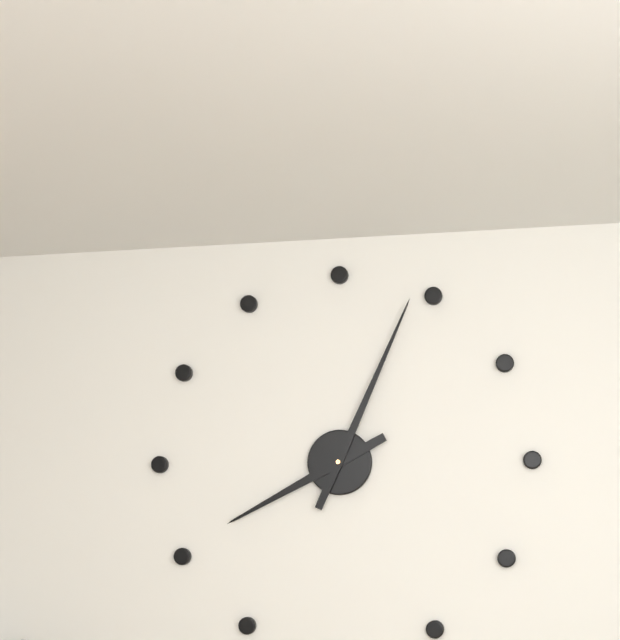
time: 8:04
